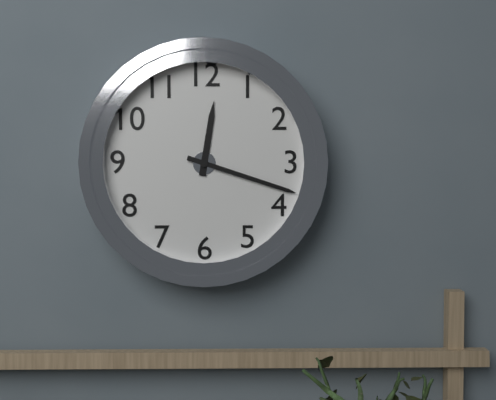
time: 12:18
